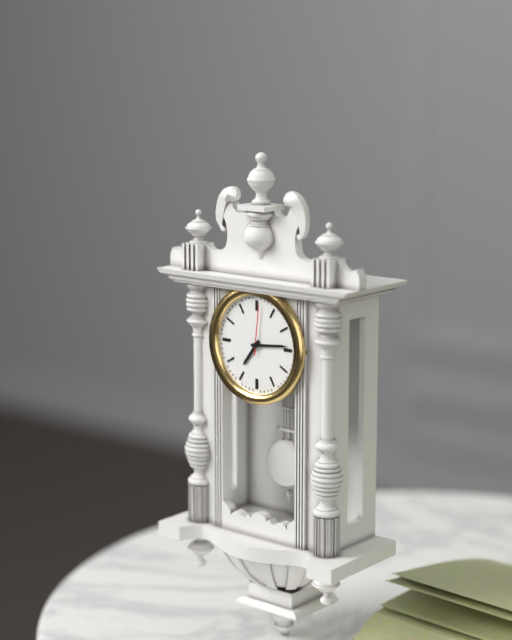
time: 7:14:01
